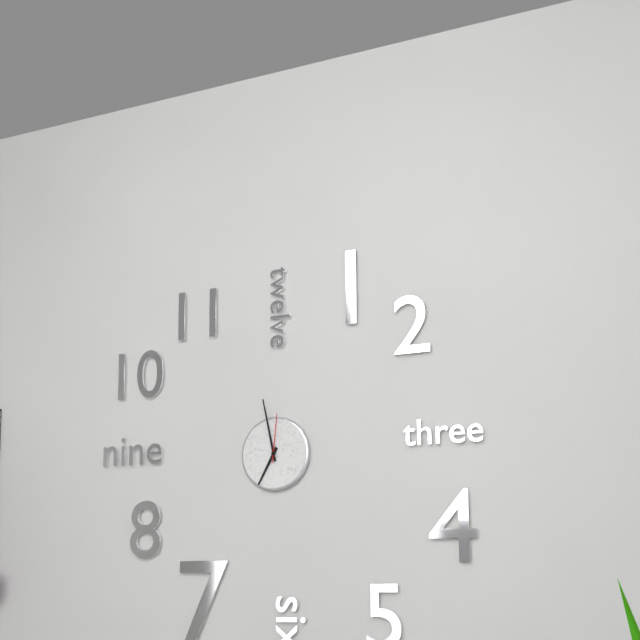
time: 6:58:01
